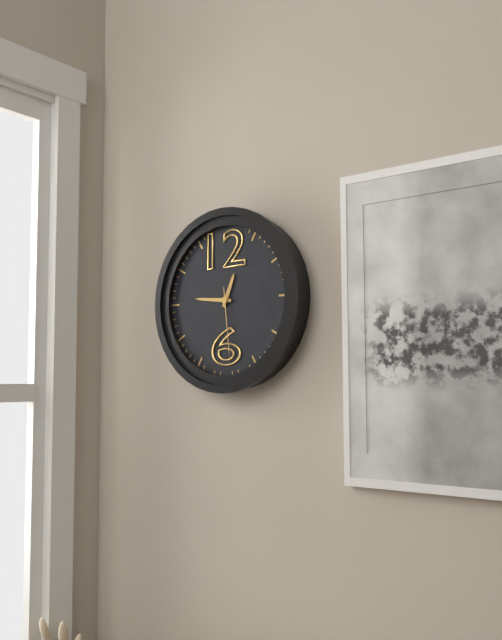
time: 12:46:29
